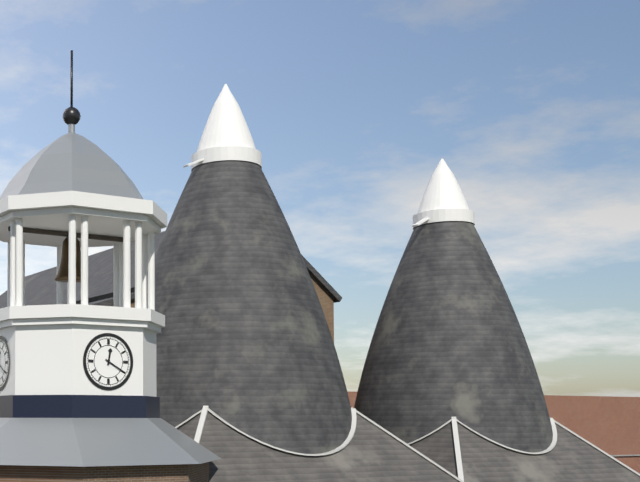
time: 12:20
